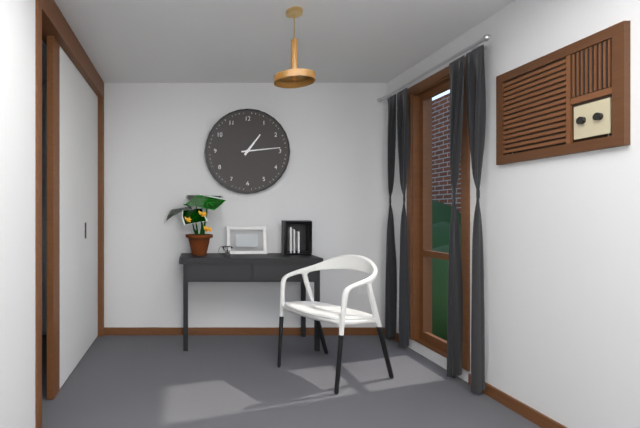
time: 1:14
